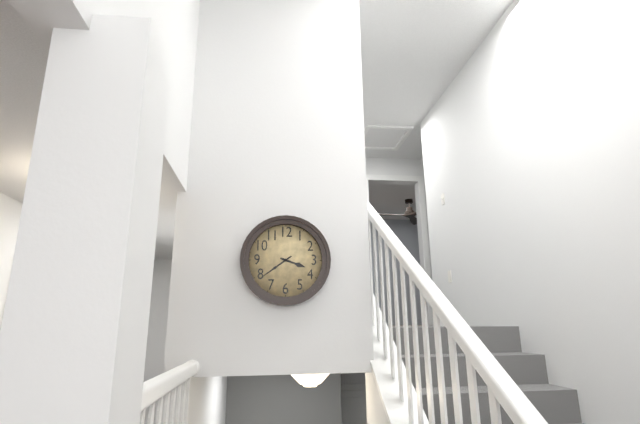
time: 3:39
